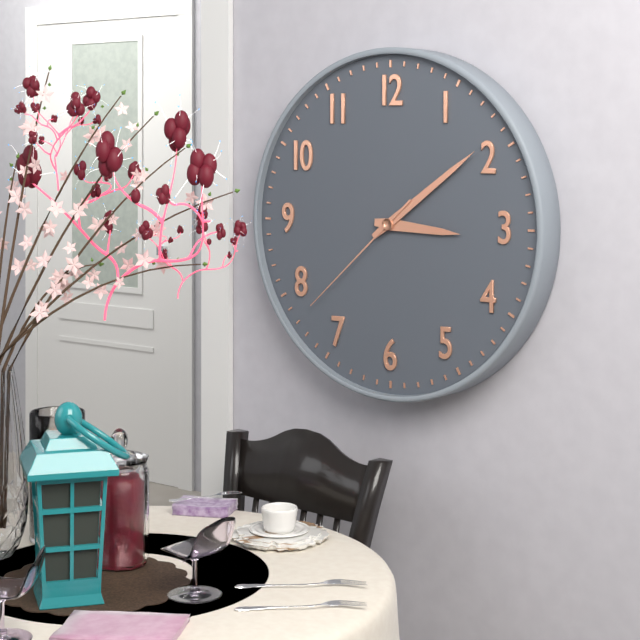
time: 3:09:38
